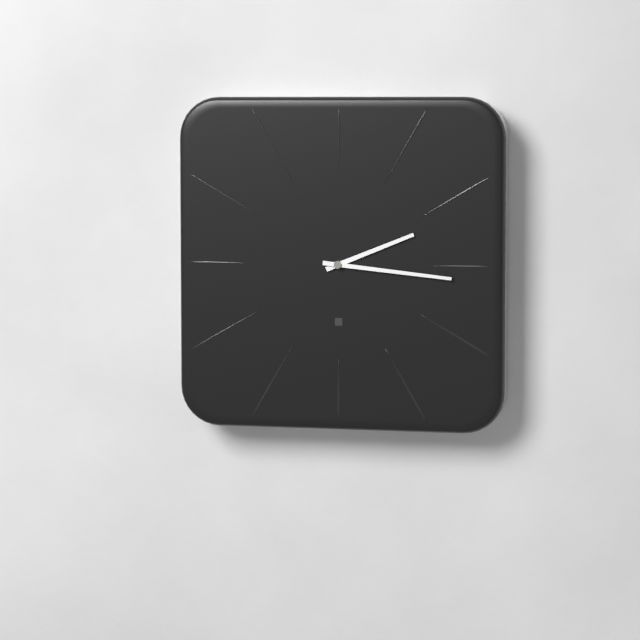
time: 2:16
